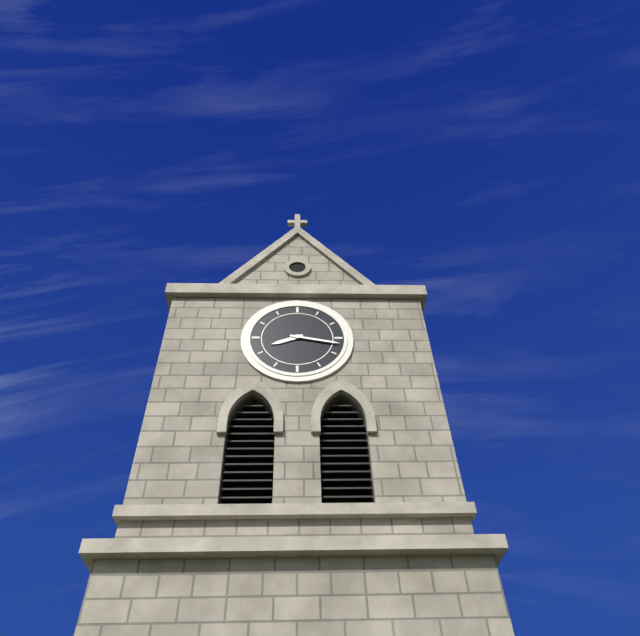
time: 8:17
